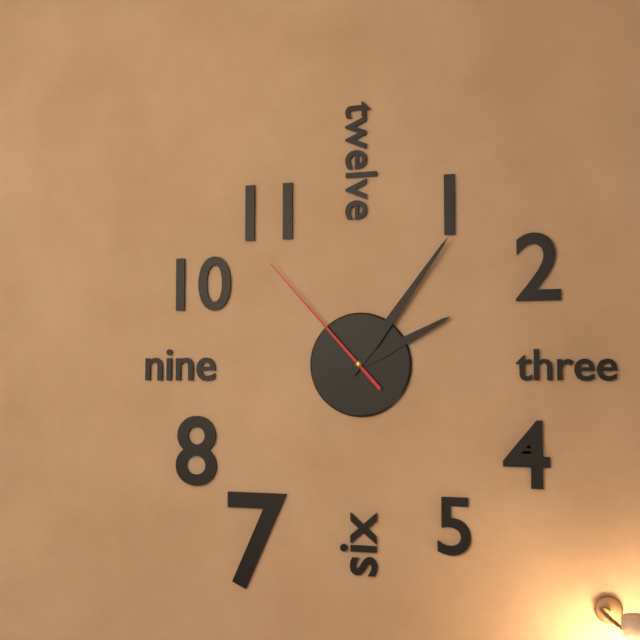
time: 2:06:53
